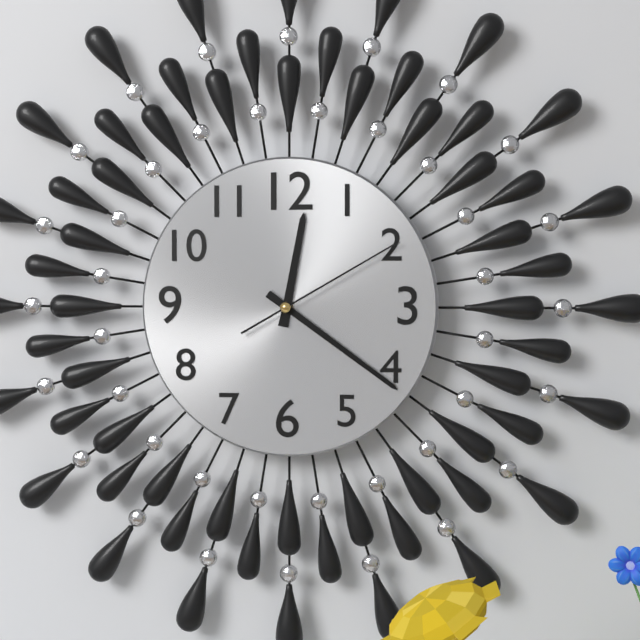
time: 12:21:10
